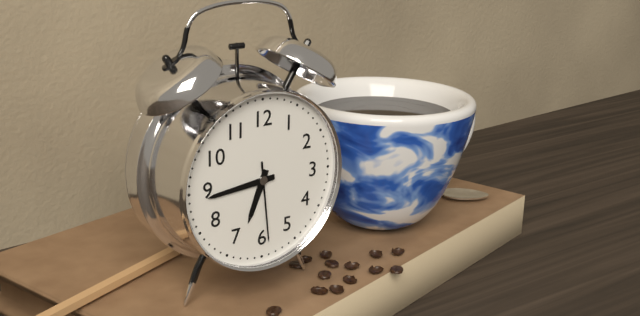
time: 6:44:29
